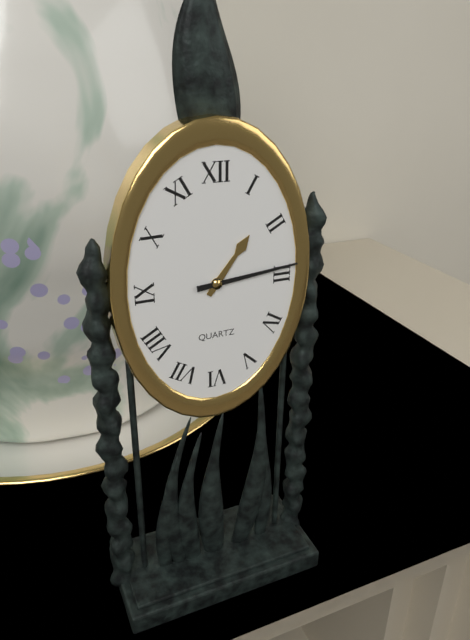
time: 1:14
